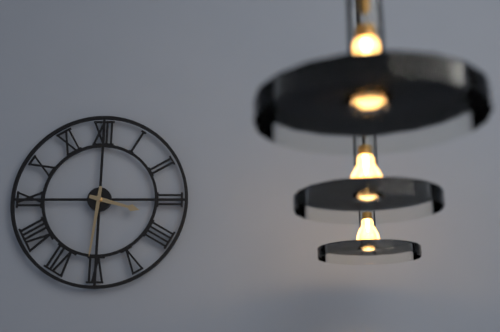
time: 3:31
